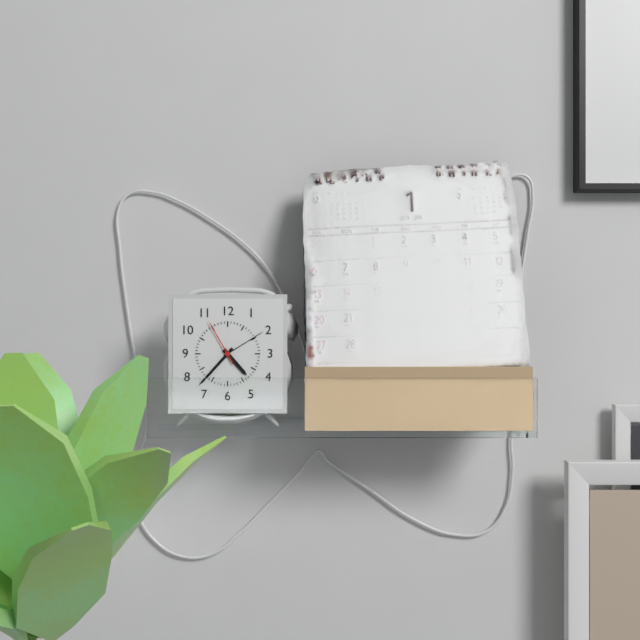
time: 4:37
